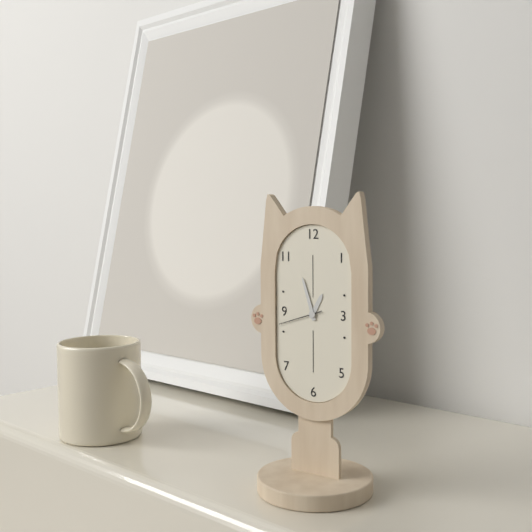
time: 12:57
